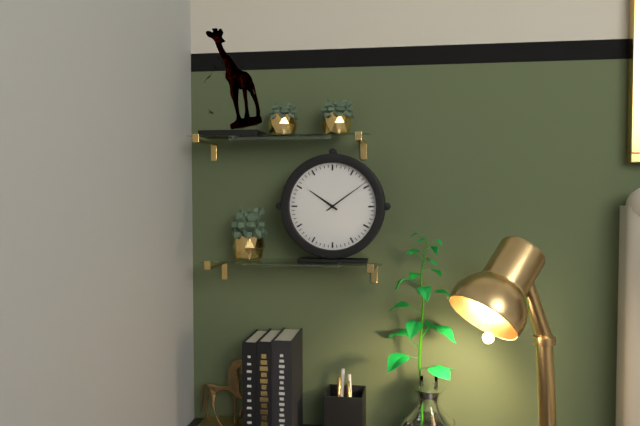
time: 10:09
